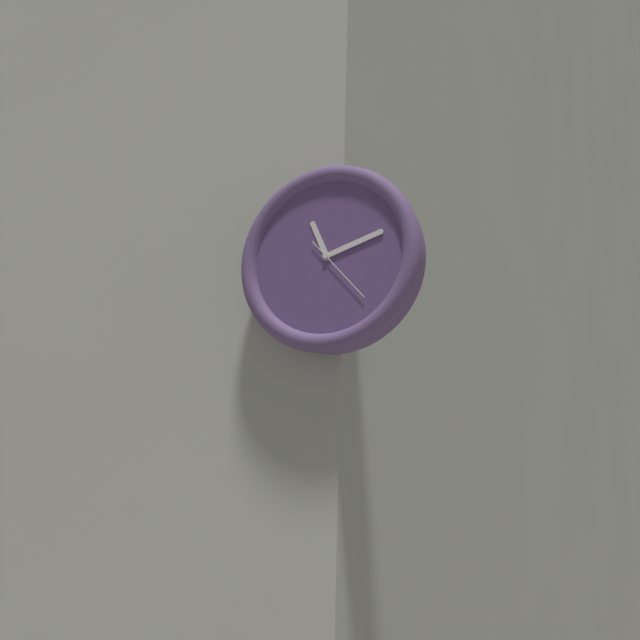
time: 11:12:23
